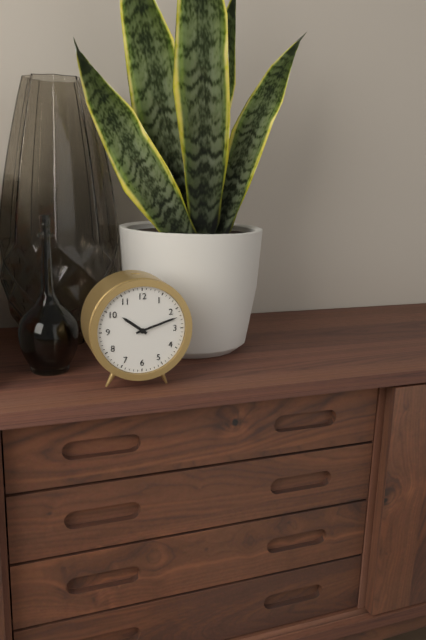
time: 10:12
